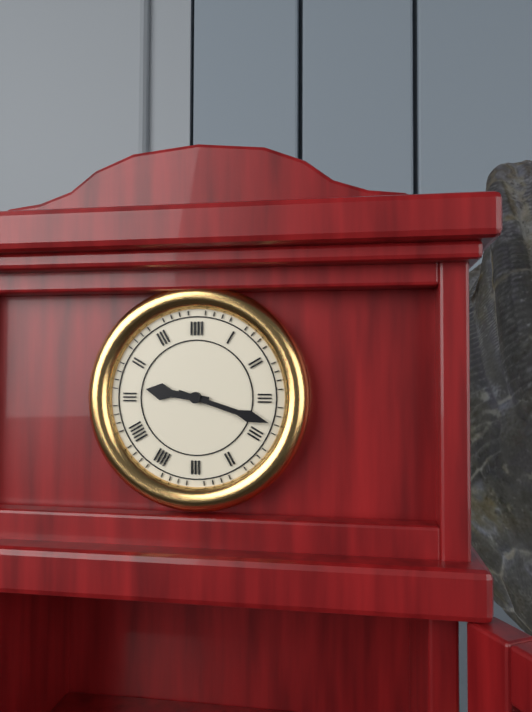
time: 9:18
